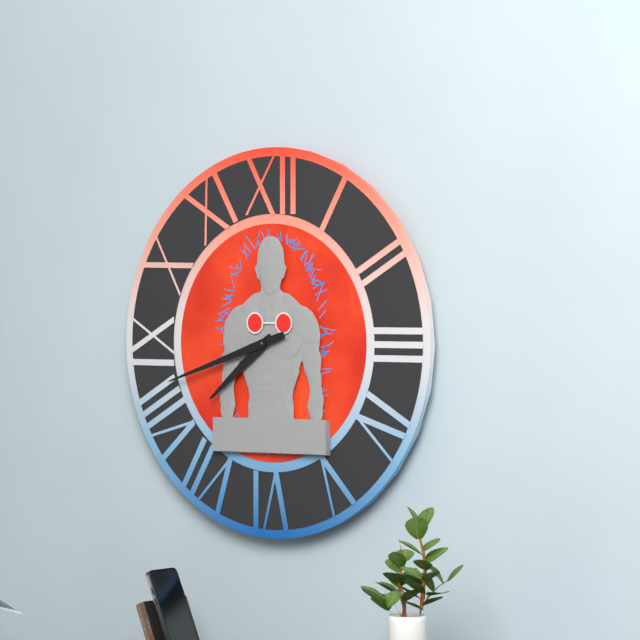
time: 7:42
